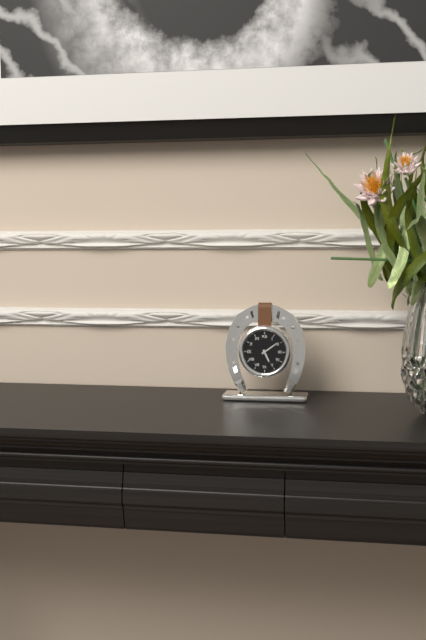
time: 5:09
